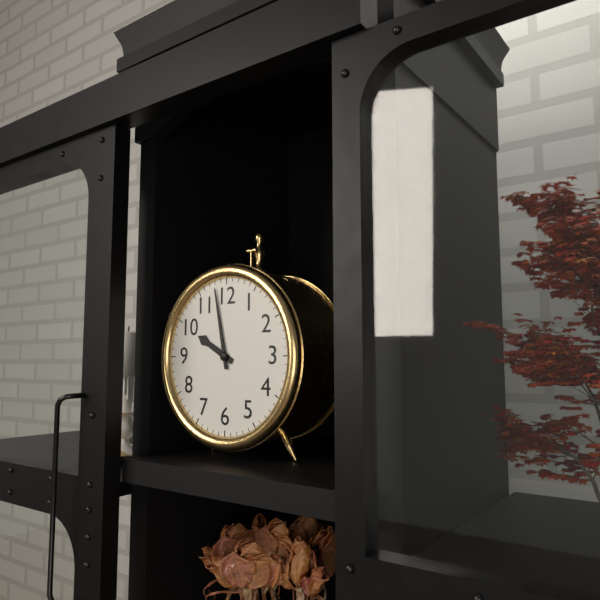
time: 9:58
